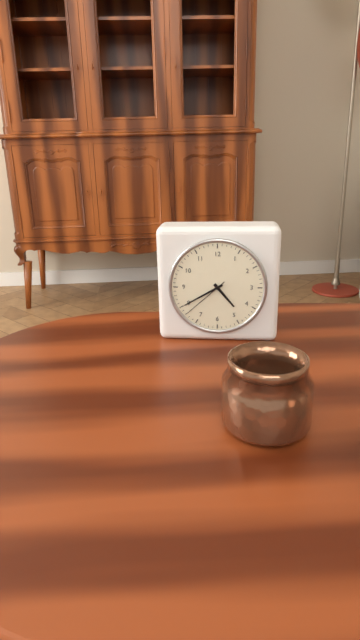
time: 4:40:38
